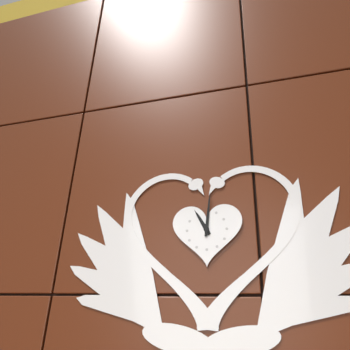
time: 11:01
